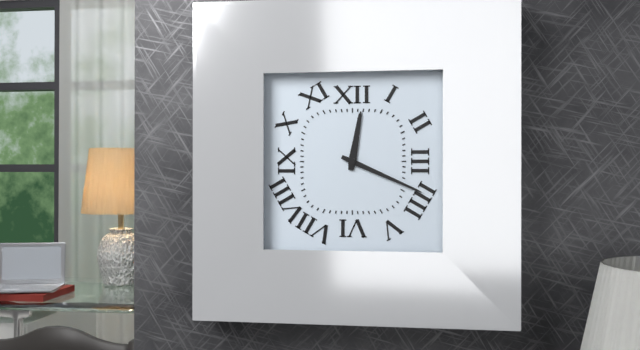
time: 12:19
